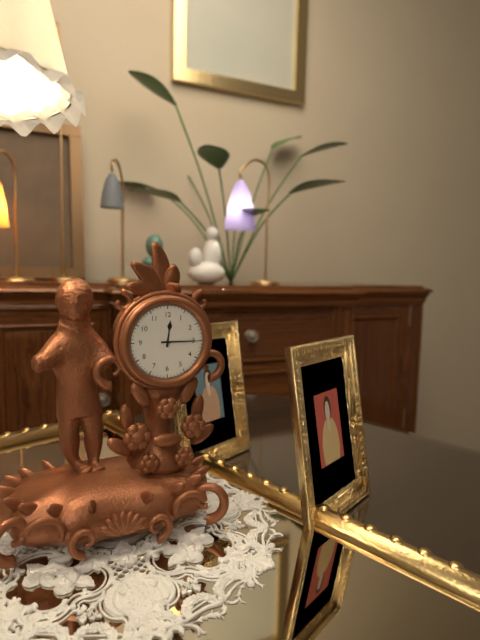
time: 12:15
